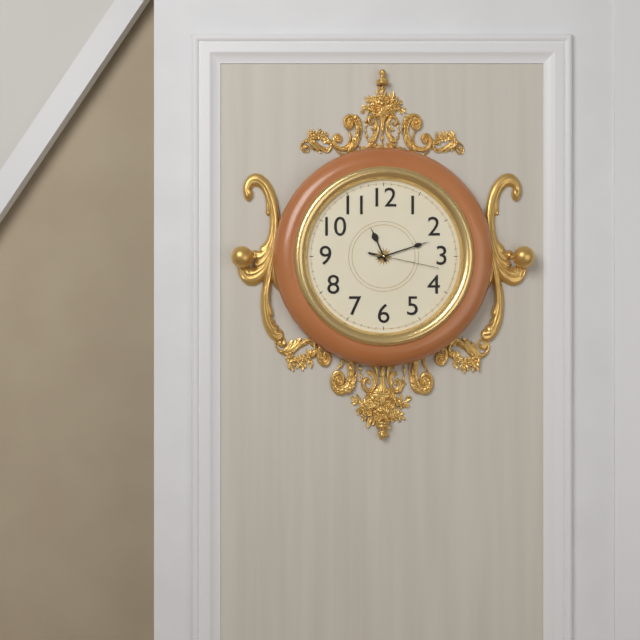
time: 11:12:17
